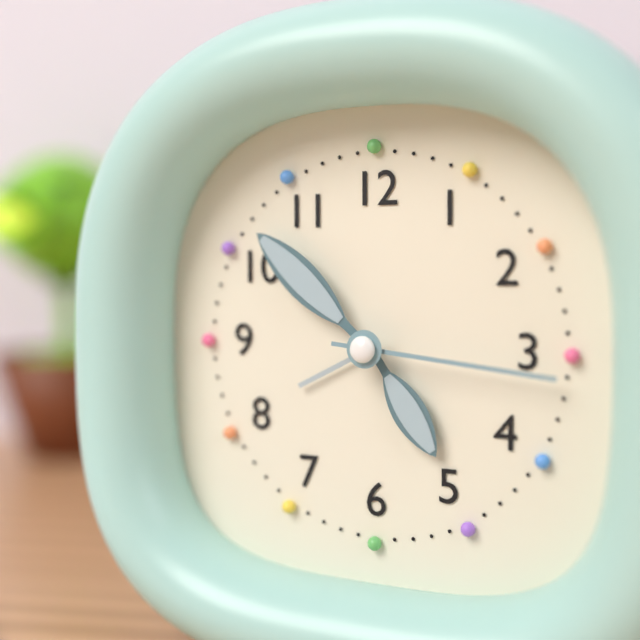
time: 4:52:16
